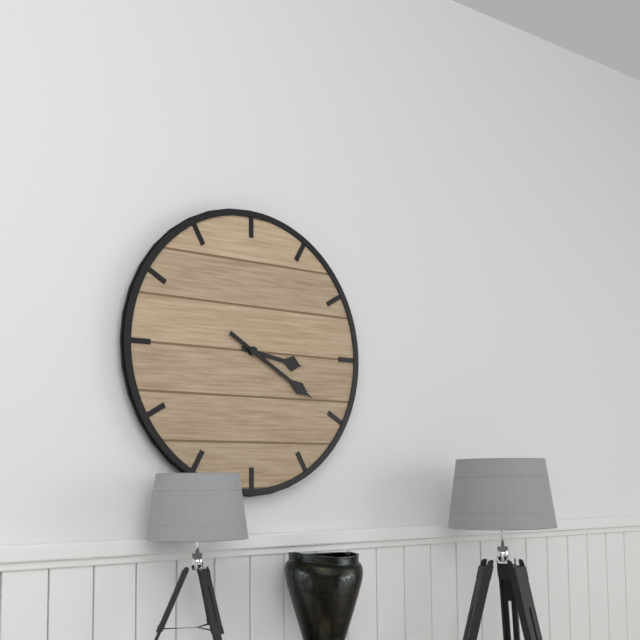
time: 3:20
